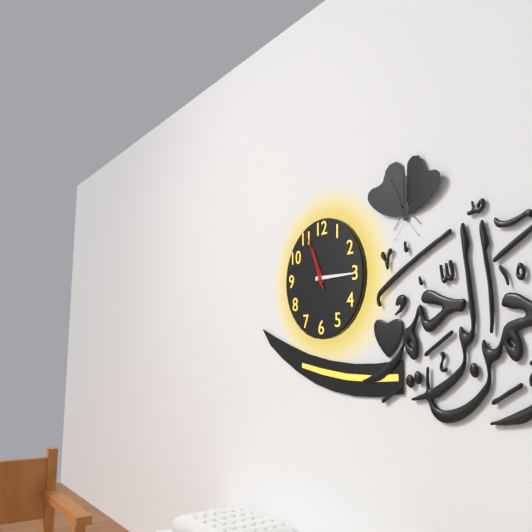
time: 11:15:56
